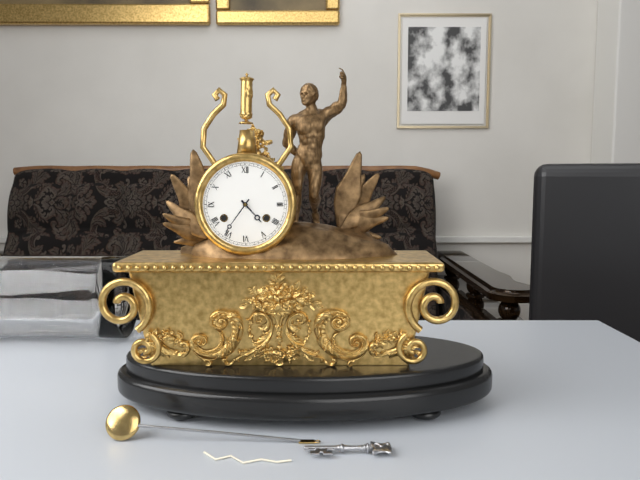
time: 4:36
